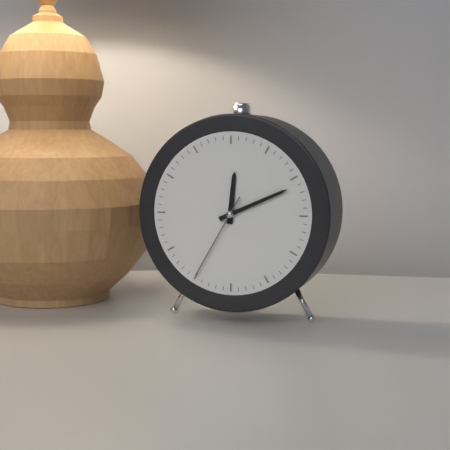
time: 12:11:35
